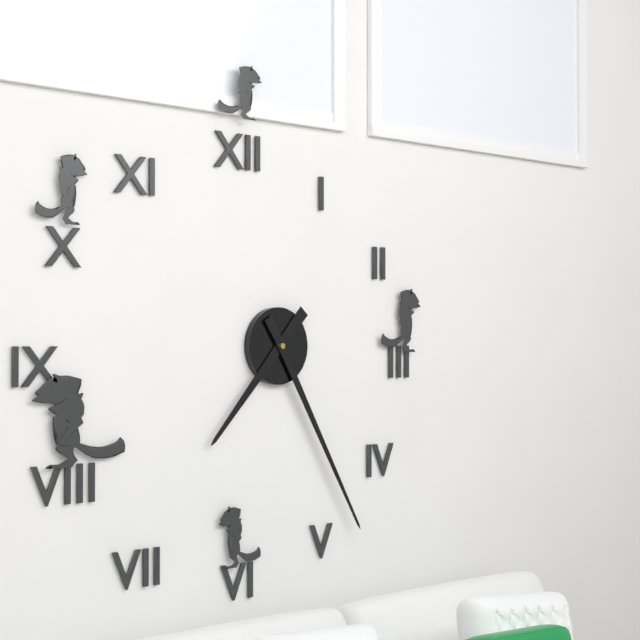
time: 7:25
